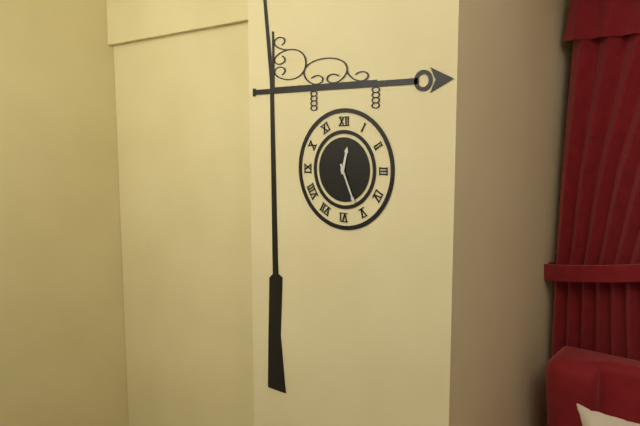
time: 12:26
